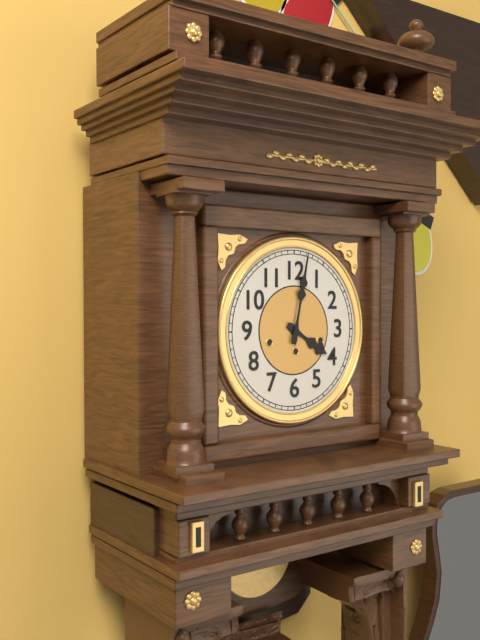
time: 4:02
